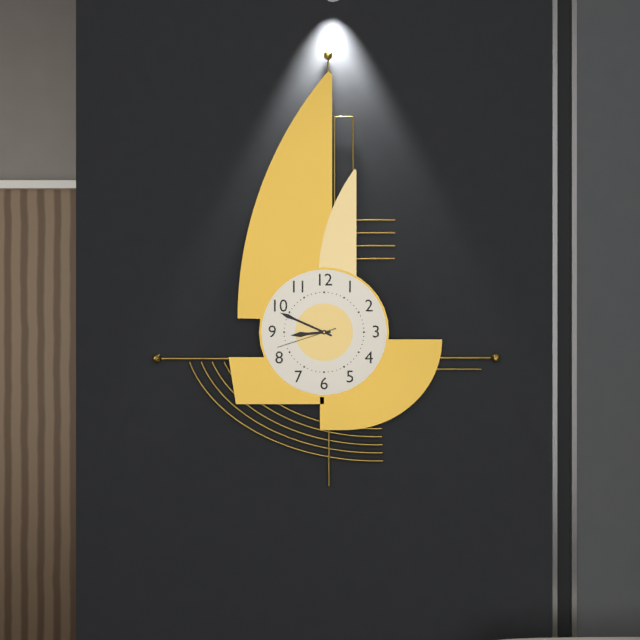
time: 8:49:42
